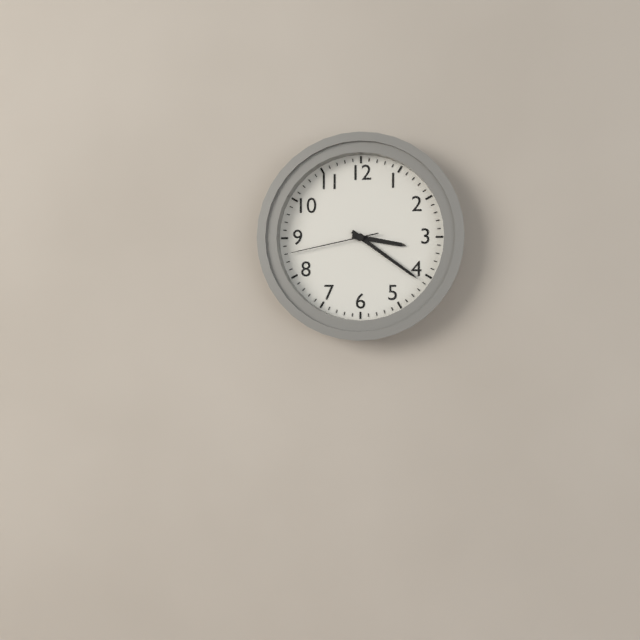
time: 3:21:43
